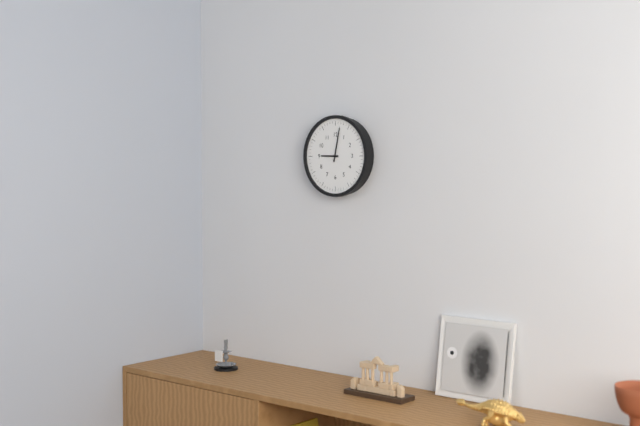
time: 9:02
